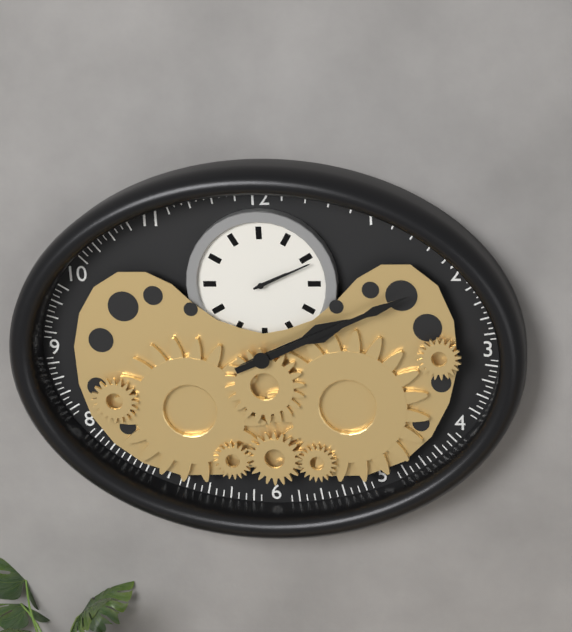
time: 2:11
